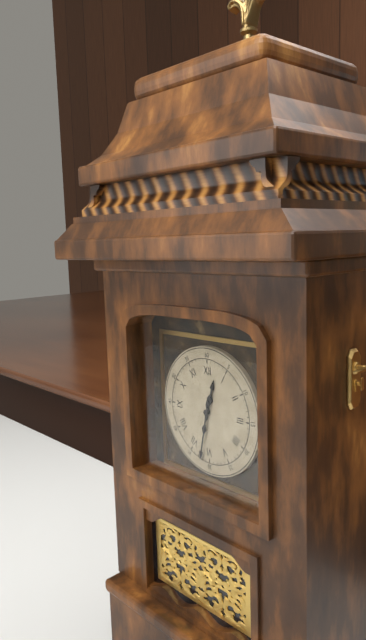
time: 12:32
